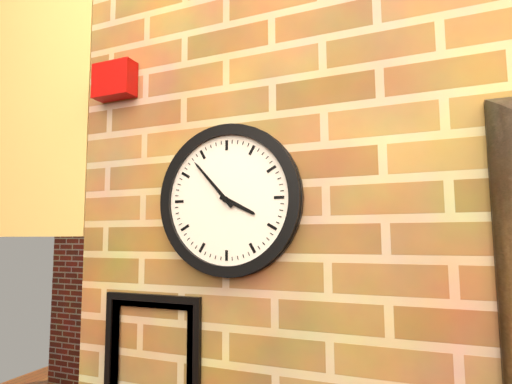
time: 3:53
